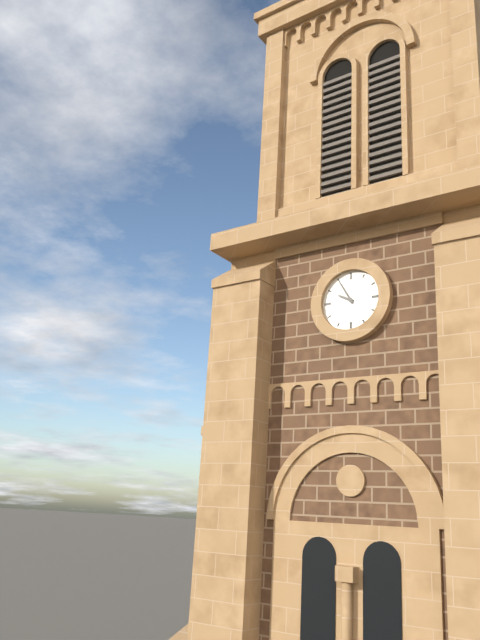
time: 9:55
